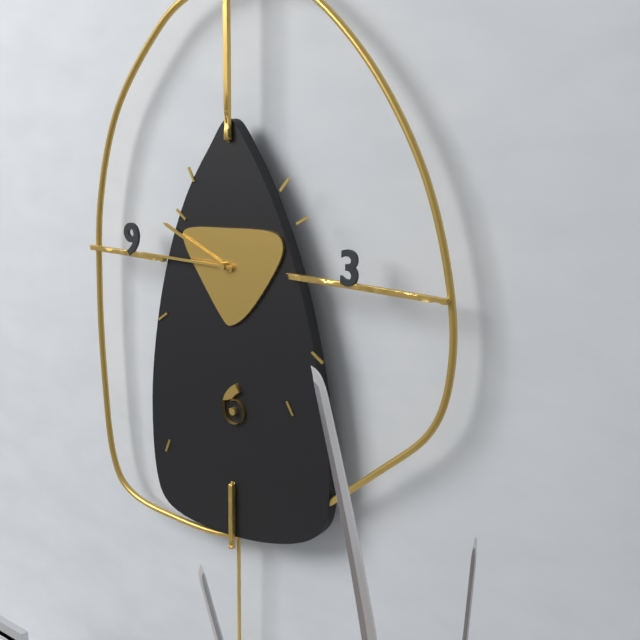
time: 9:45
